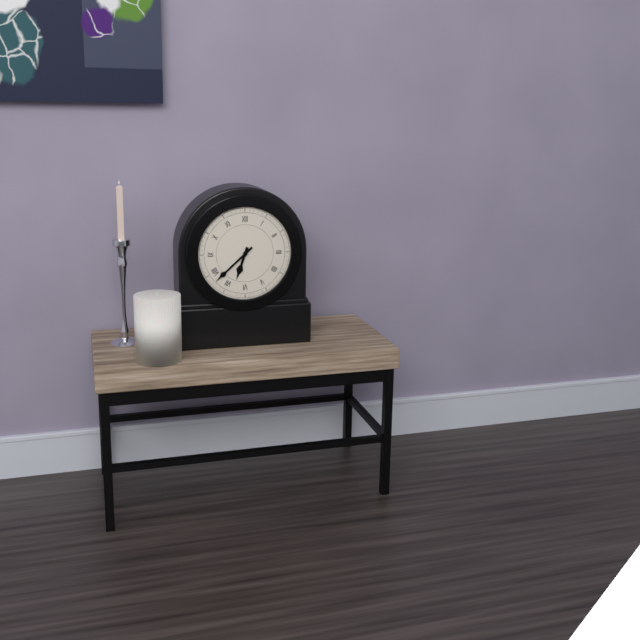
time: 6:38
